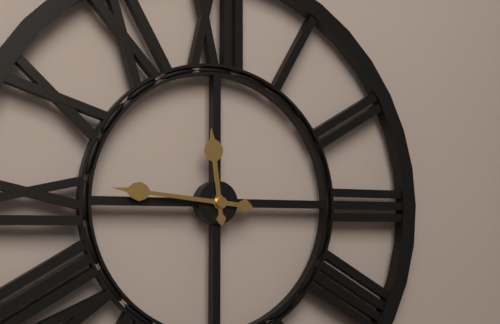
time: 11:46
